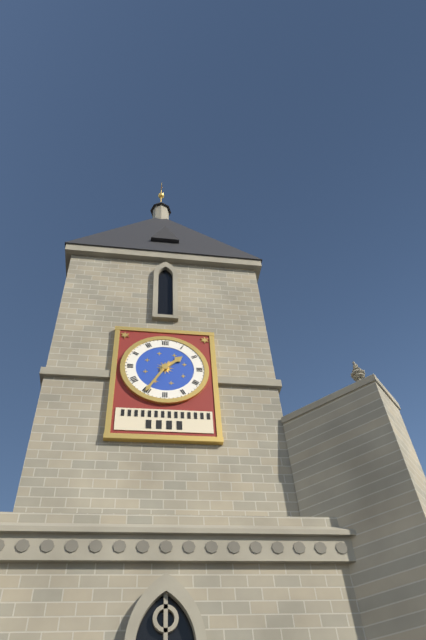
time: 1:35
